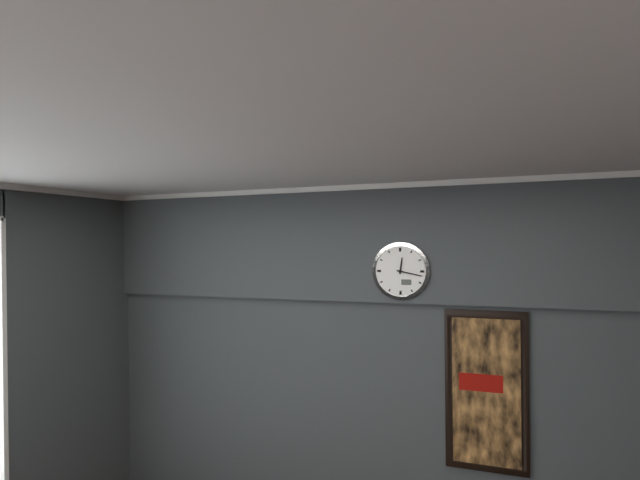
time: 12:17
